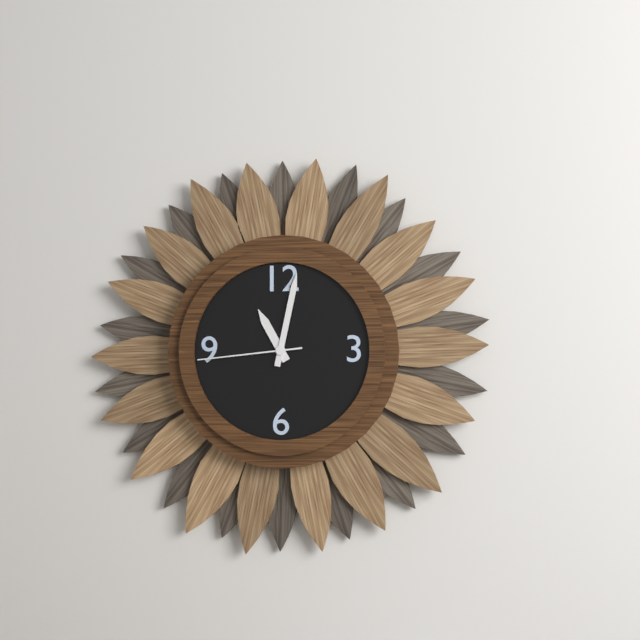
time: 11:02:44
